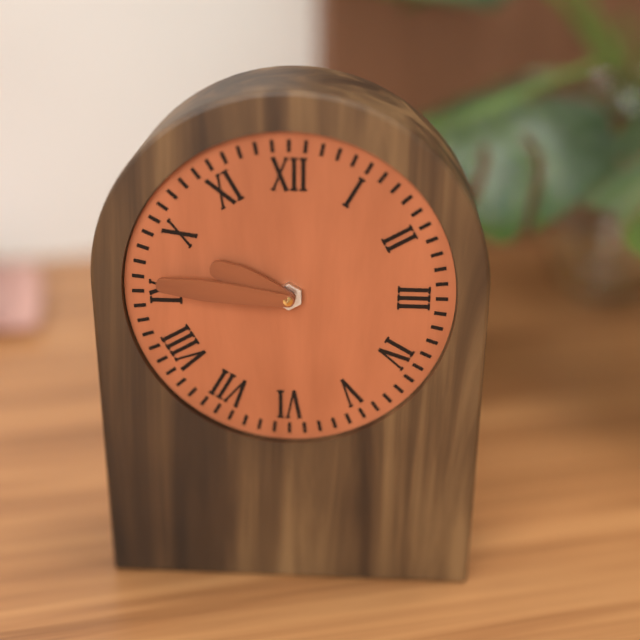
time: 9:46
